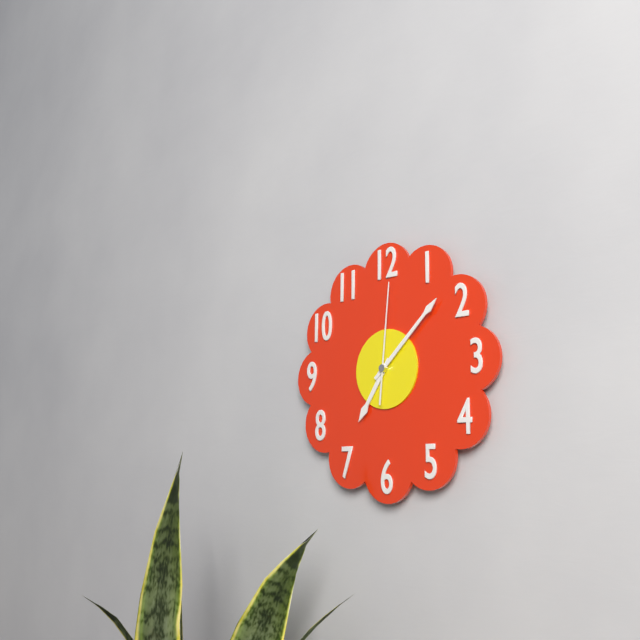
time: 7:08:01
